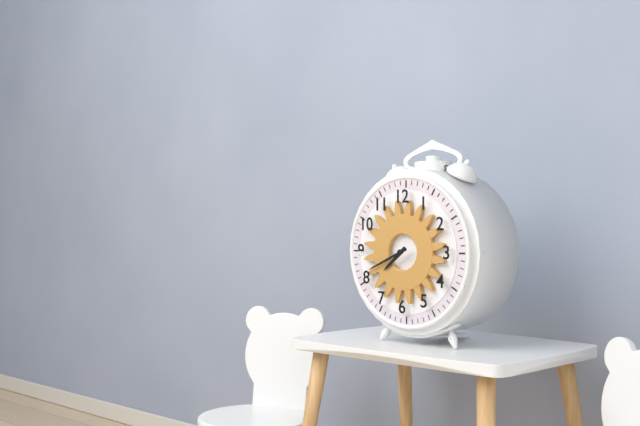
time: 7:41
